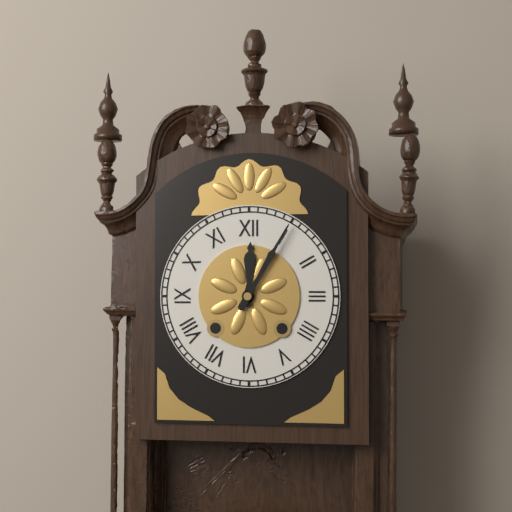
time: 12:05
